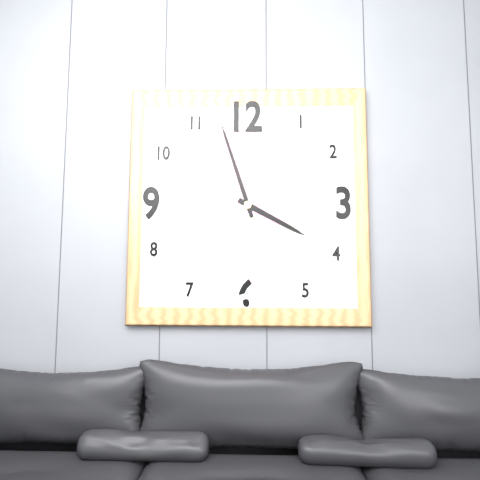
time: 3:57
